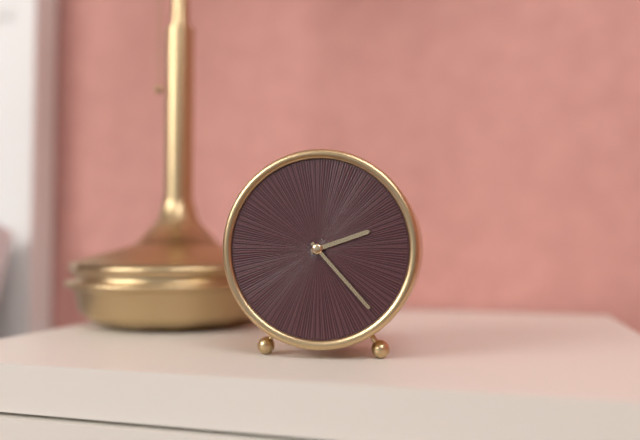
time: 2:23
